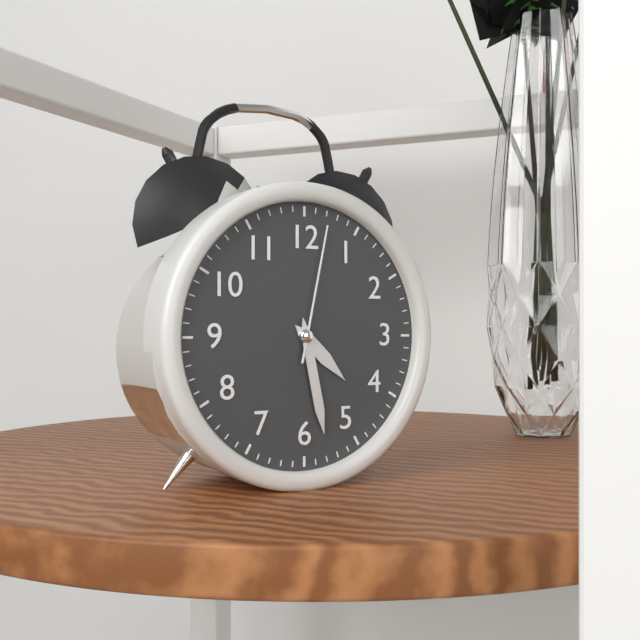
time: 4:28:02
